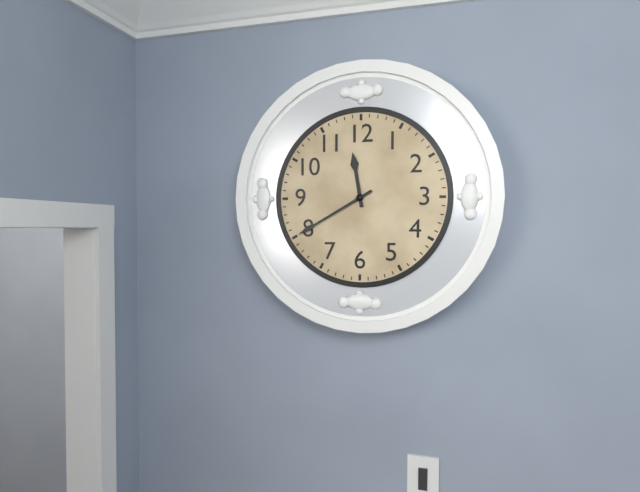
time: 11:40
